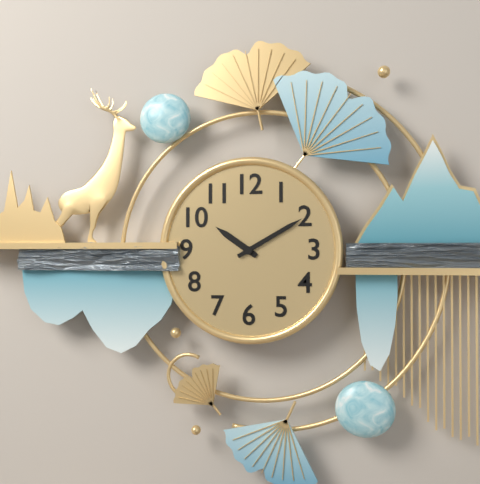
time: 10:10
